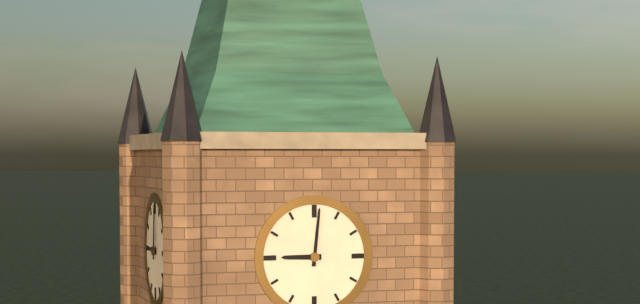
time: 9:01
